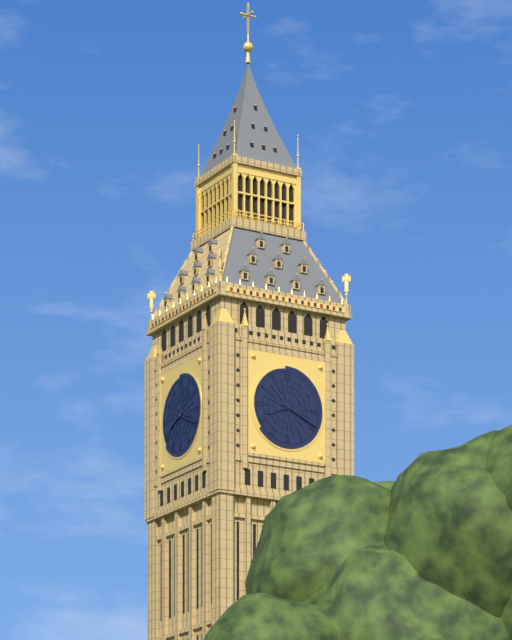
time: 8:19
